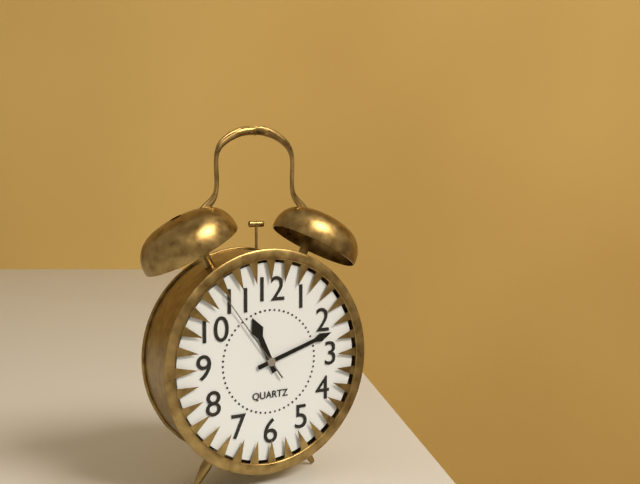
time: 11:12:54
